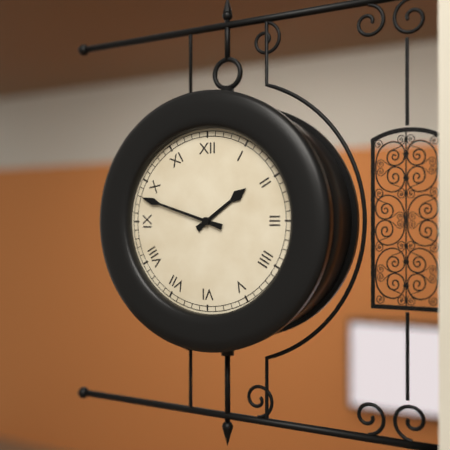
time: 1:48
